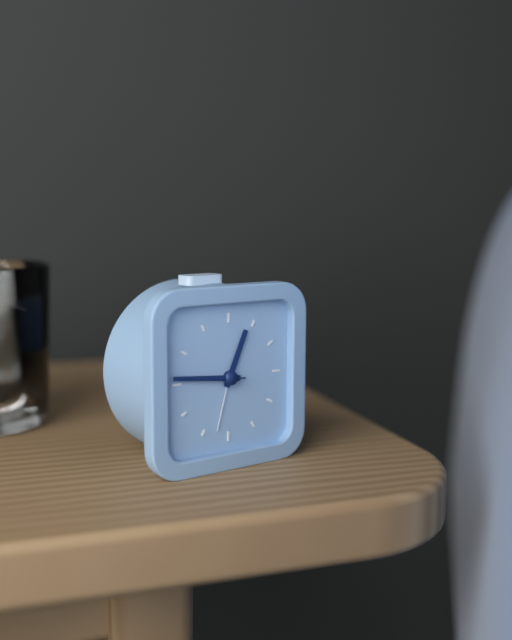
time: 12:46:46
